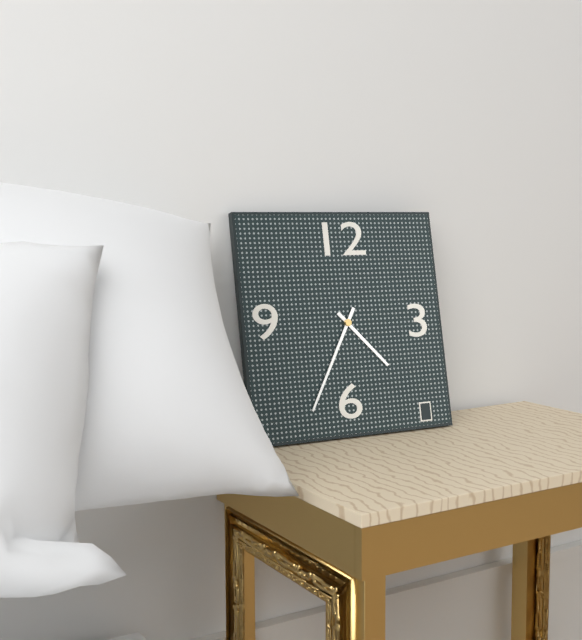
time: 4:35
